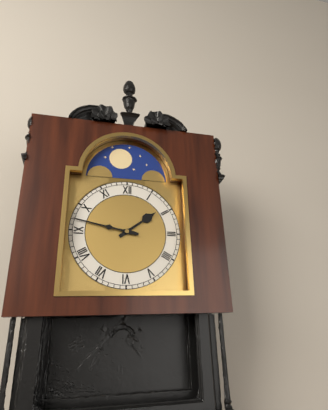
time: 1:47
